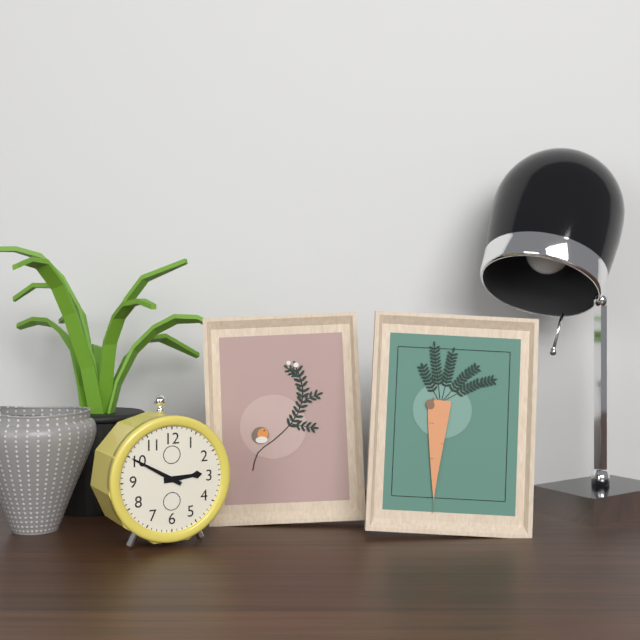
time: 2:50
